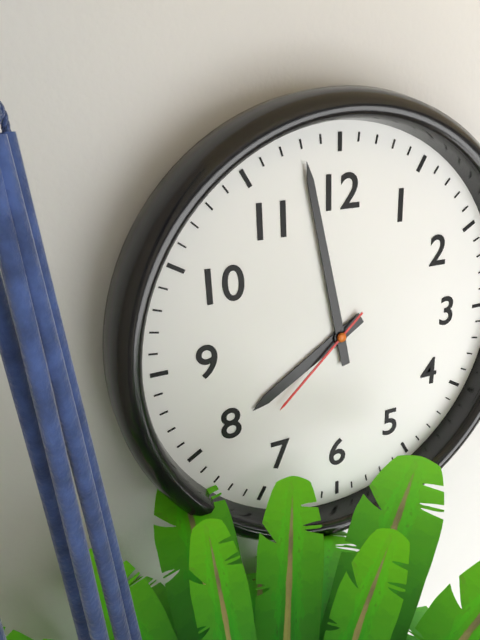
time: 7:58:38
